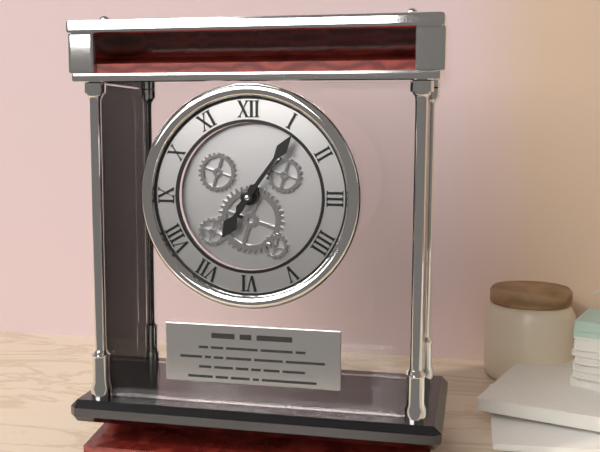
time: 7:06
